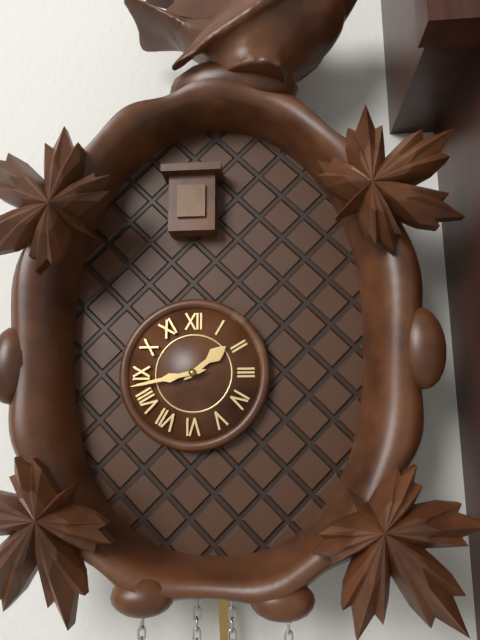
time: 1:43
